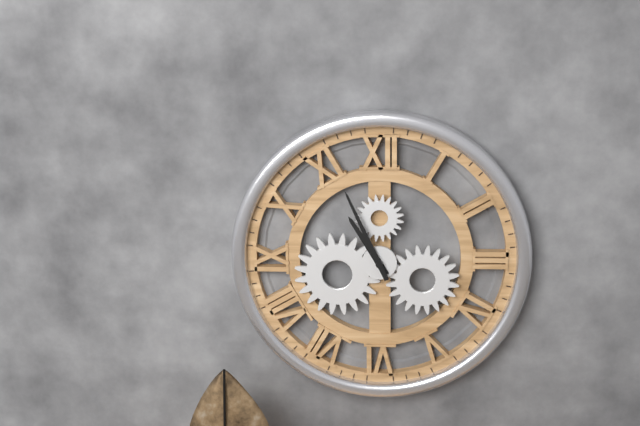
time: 10:56
